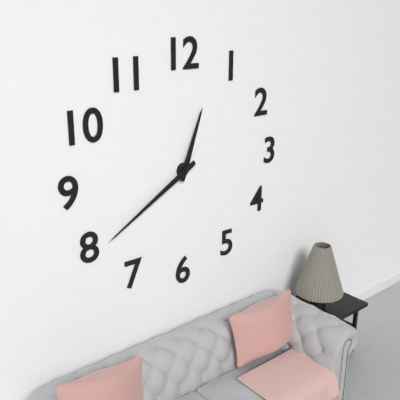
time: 12:40
